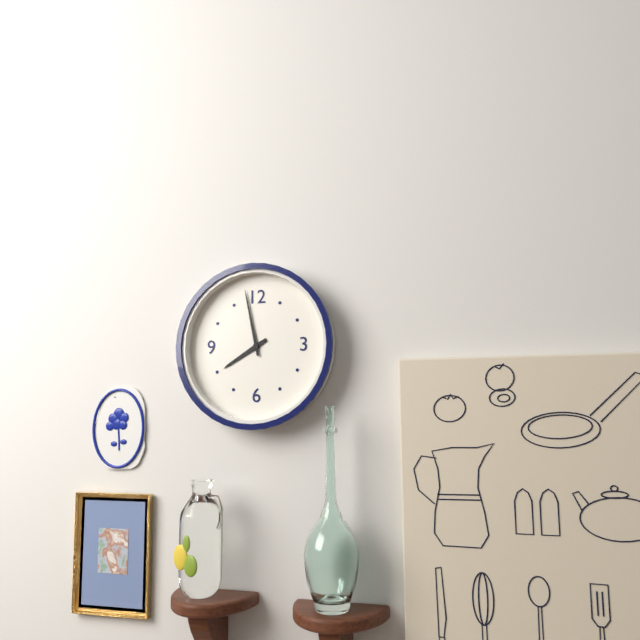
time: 7:58
